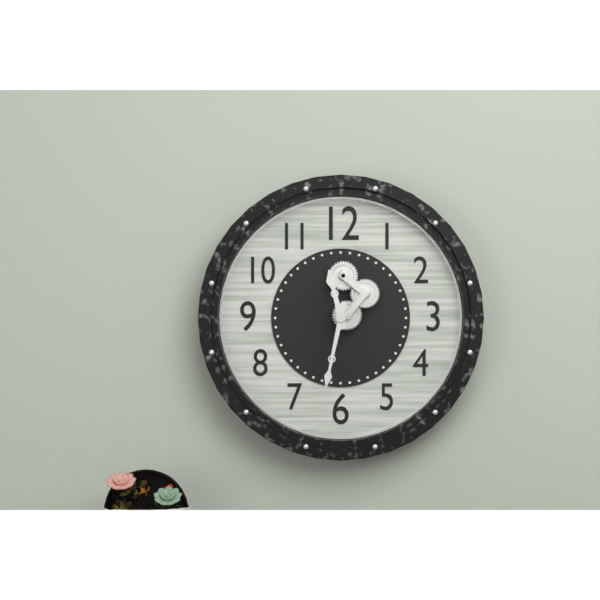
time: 11:32
